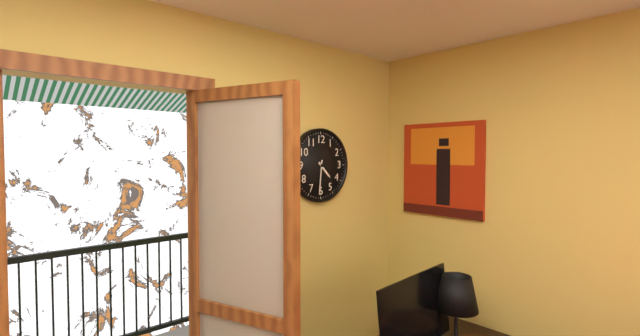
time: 4:31
